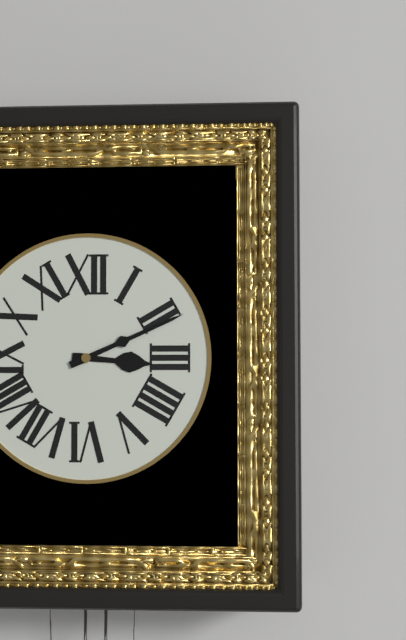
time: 3:11
